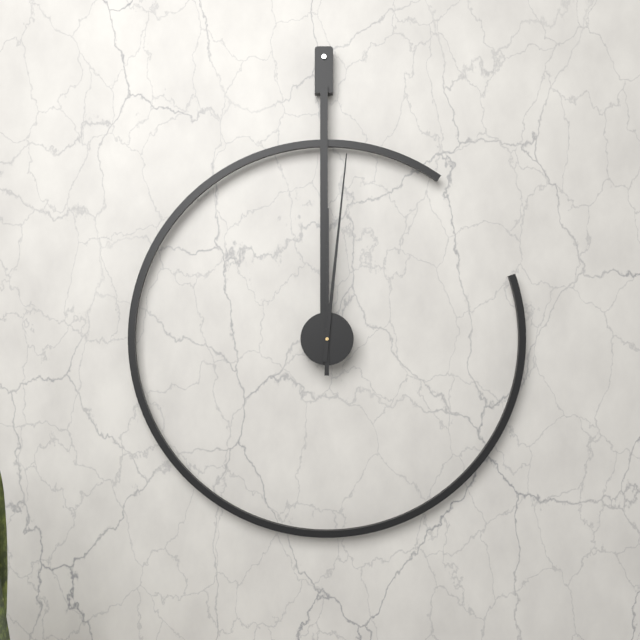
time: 12:01
